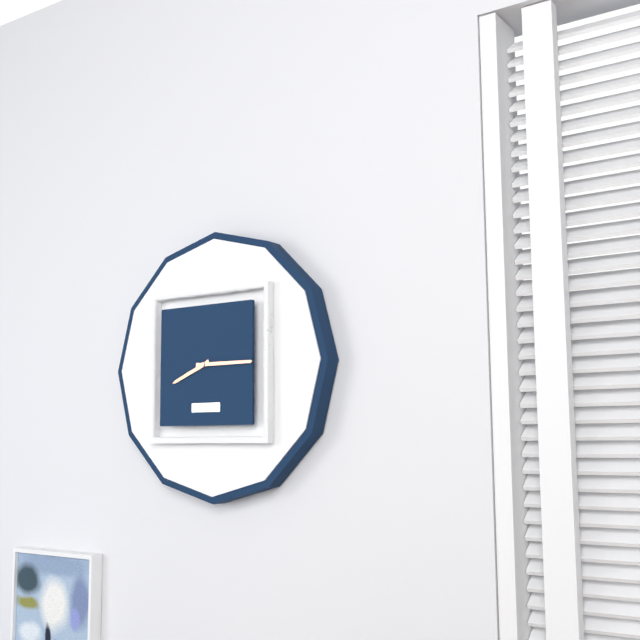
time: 8:15
